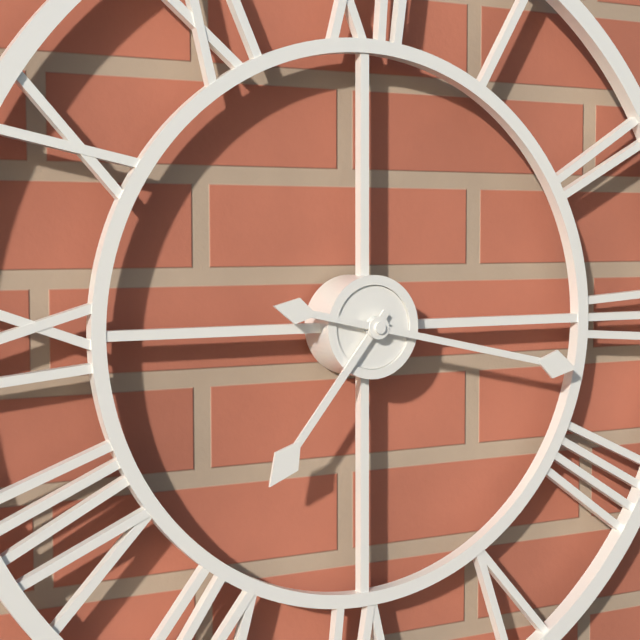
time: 7:17
